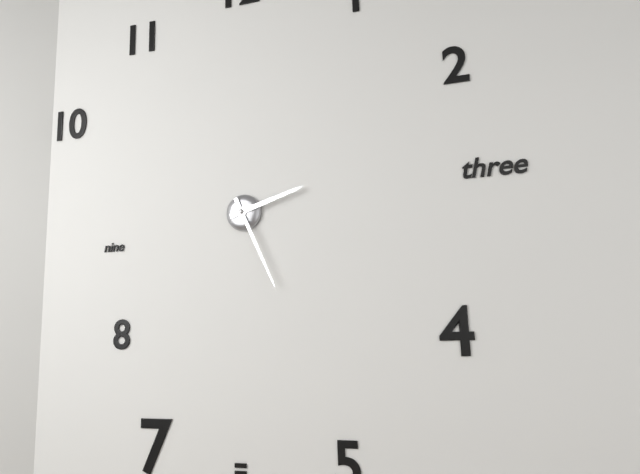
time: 2:26
